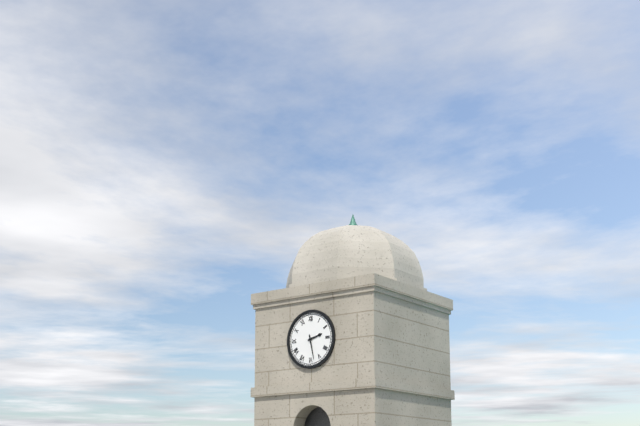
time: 2:28
